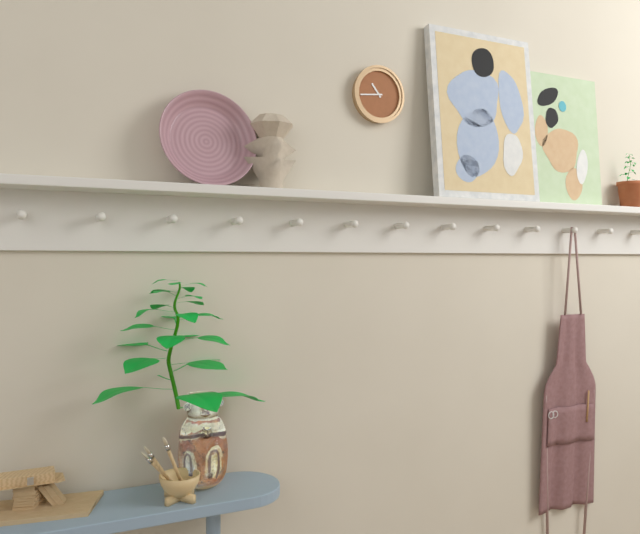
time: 10:44
